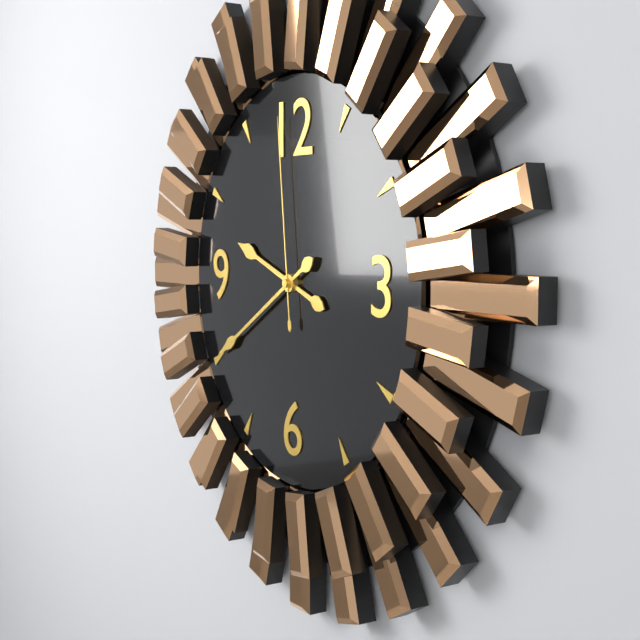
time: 9:40:59
